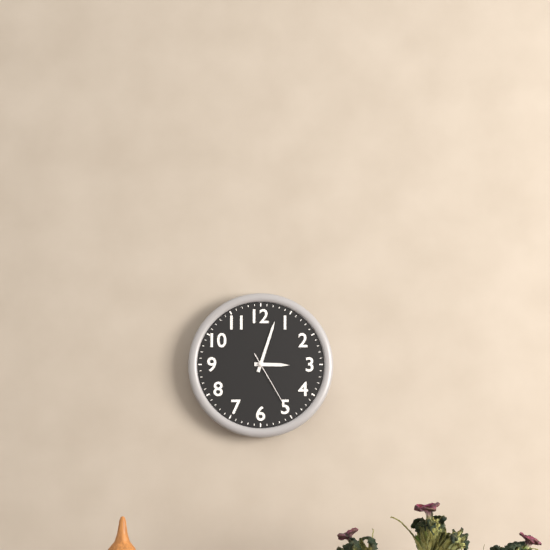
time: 3:03:25
